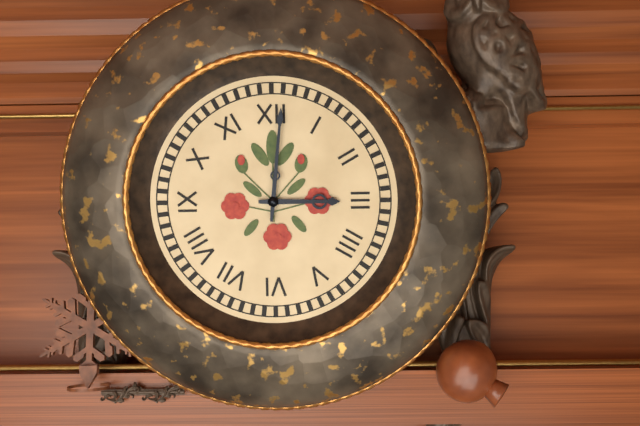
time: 3:01
